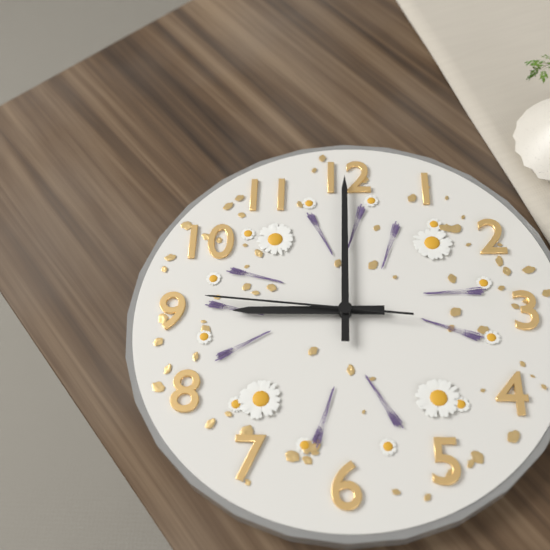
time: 9:00:46
